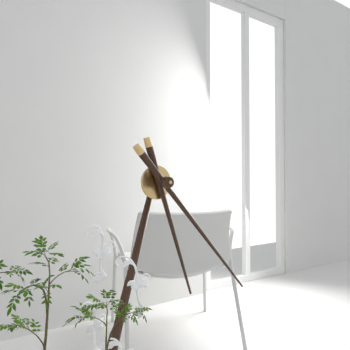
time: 5:23
